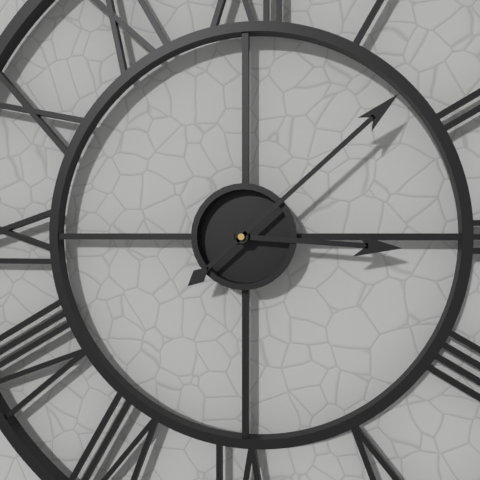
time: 3:08
